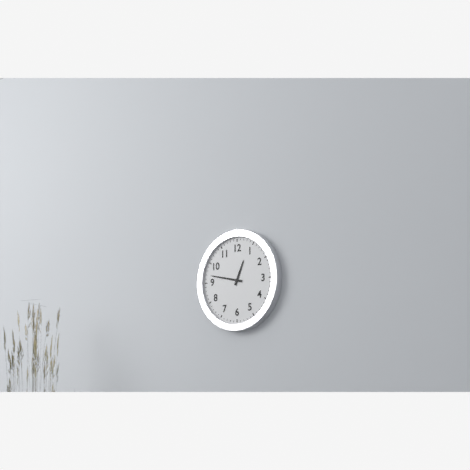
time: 12:47
